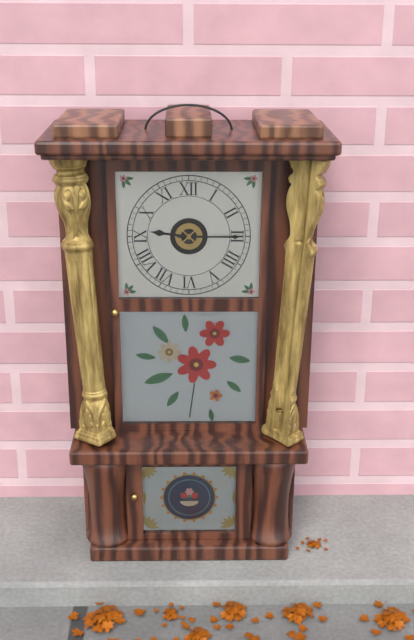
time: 9:15
